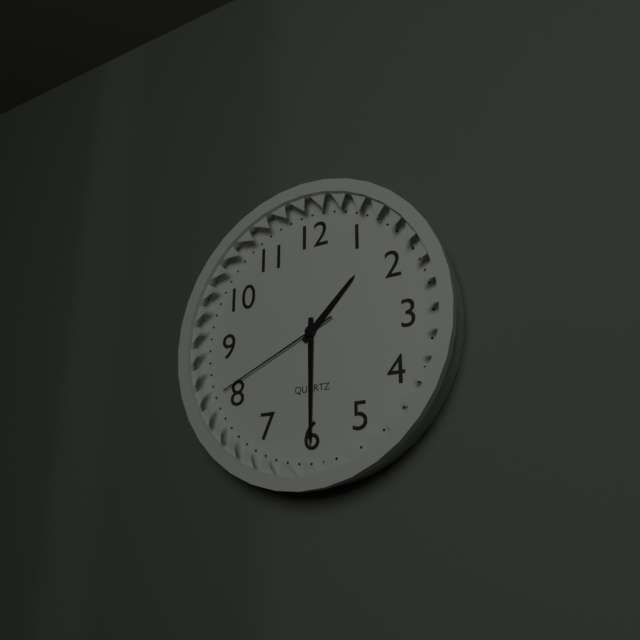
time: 1:30:41
